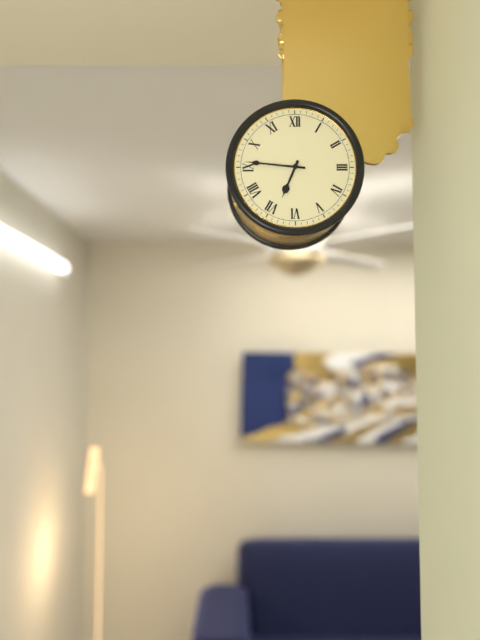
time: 6:46
